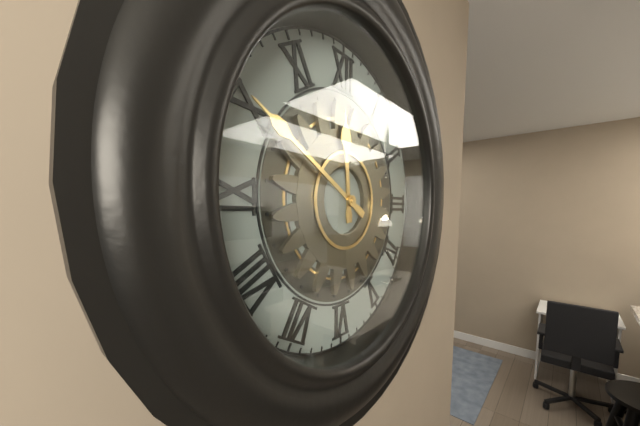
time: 11:50
